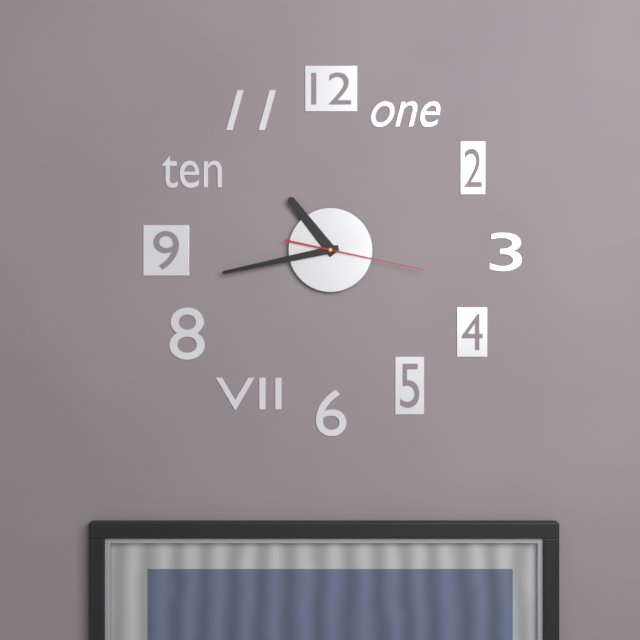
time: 10:43:17
